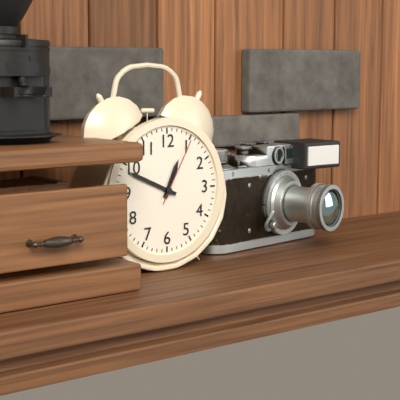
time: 12:49:05
